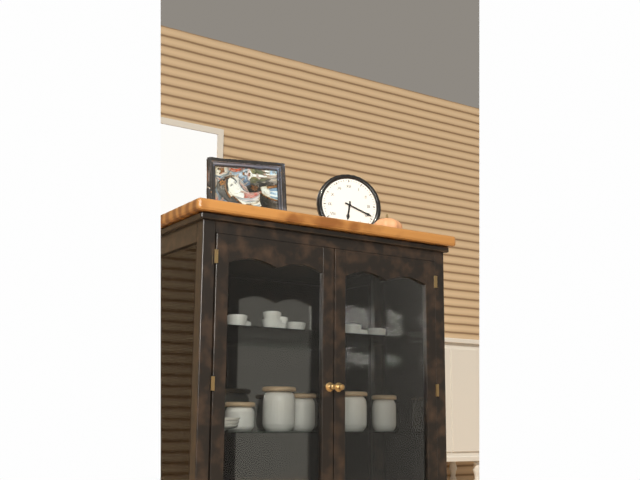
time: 6:19
